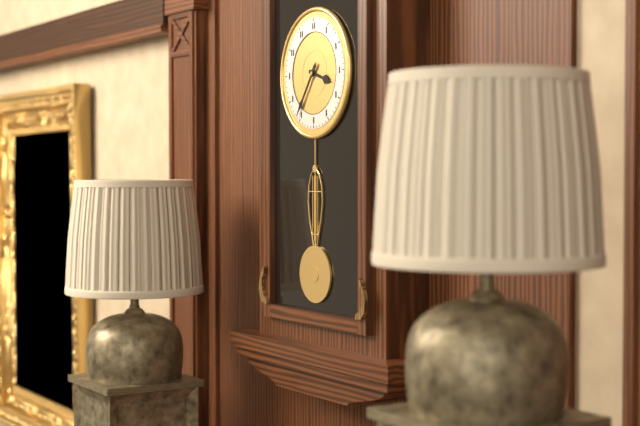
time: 3:36
